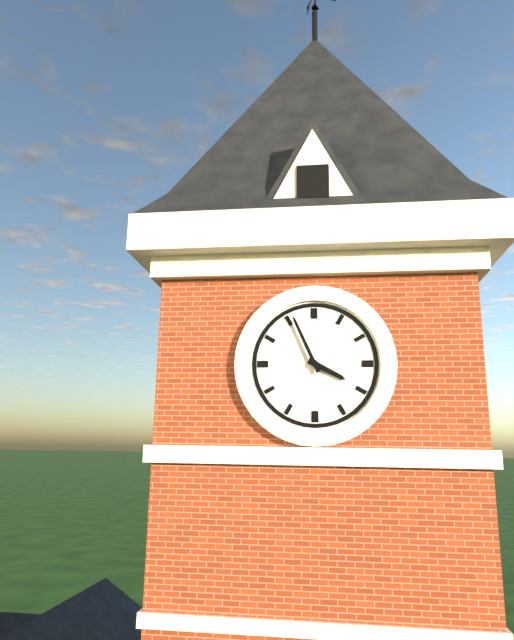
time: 3:56
